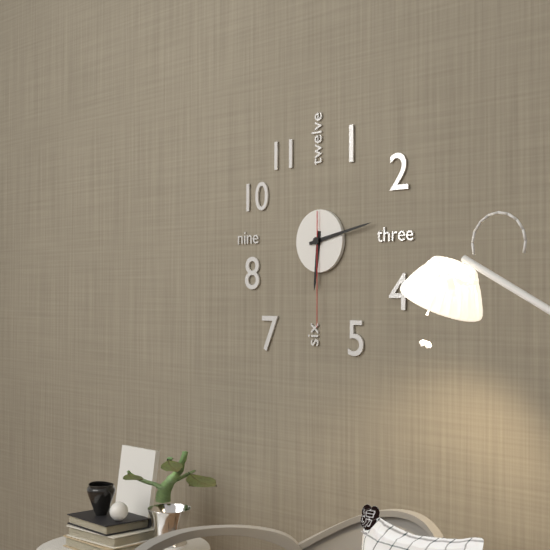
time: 6:13:30
